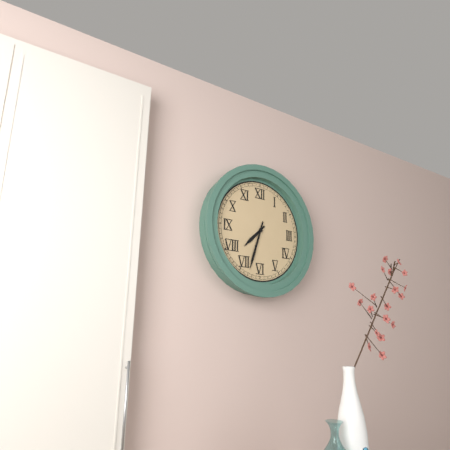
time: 7:33
